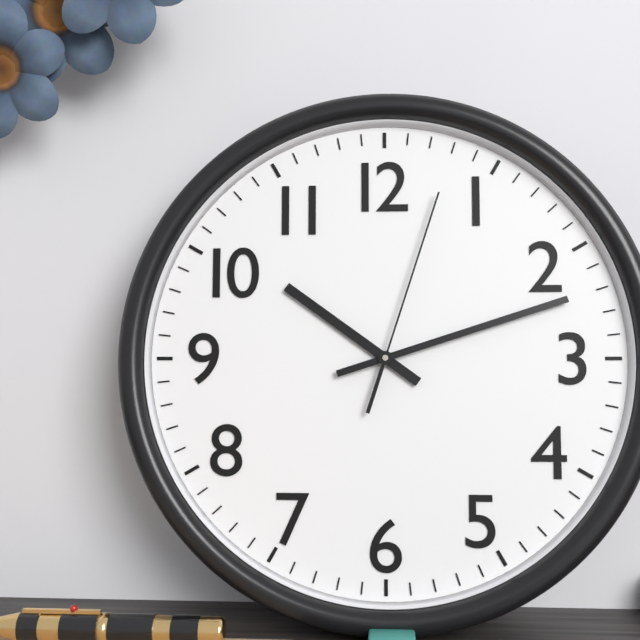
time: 10:12:03
